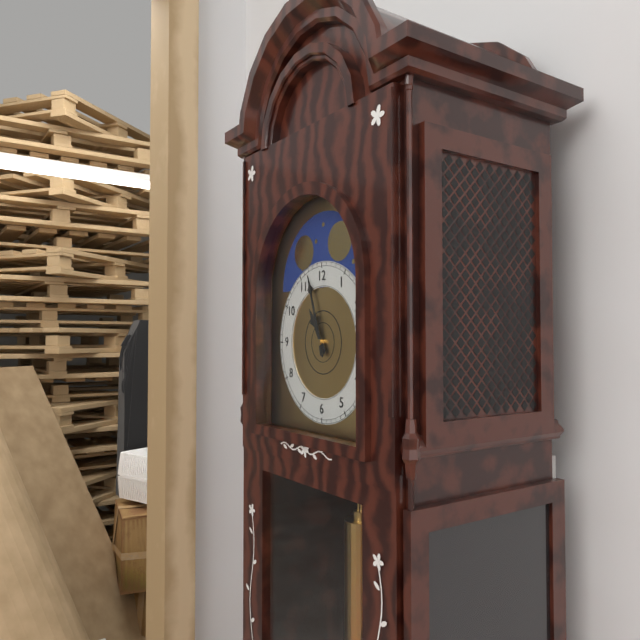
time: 10:57
